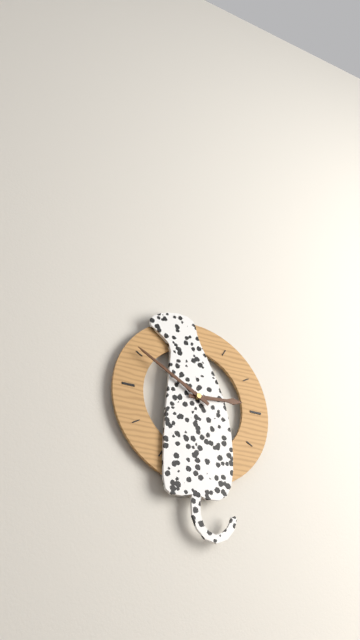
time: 2:50
